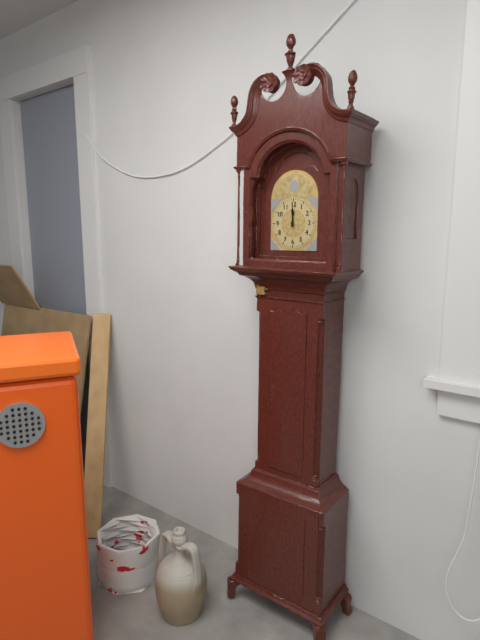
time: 12:00
